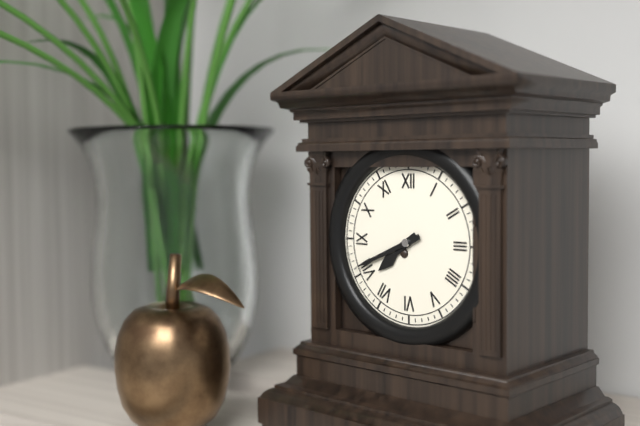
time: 7:41
